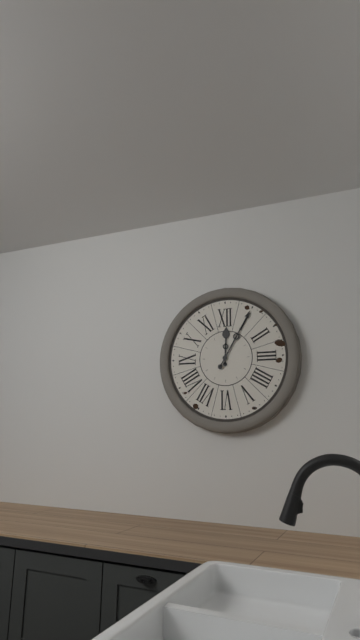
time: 12:05
